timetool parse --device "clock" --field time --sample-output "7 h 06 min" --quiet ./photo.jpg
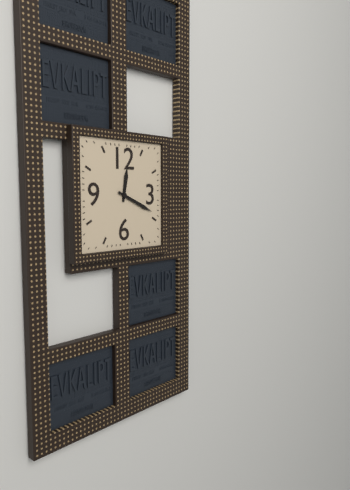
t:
12 h 19 min
